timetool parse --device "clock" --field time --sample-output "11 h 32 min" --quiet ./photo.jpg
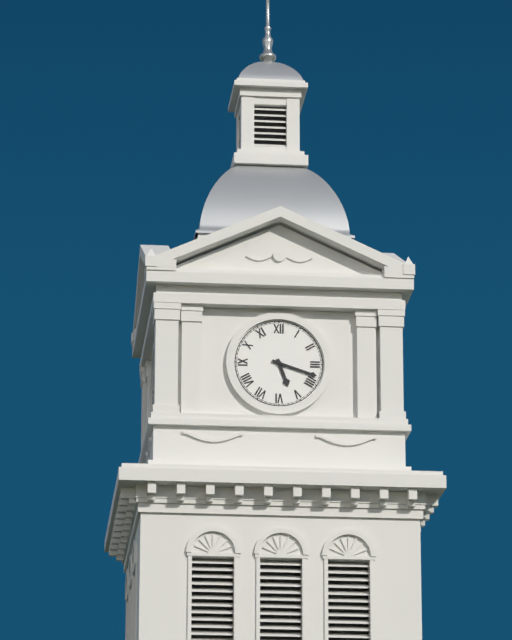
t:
5 h 18 min
